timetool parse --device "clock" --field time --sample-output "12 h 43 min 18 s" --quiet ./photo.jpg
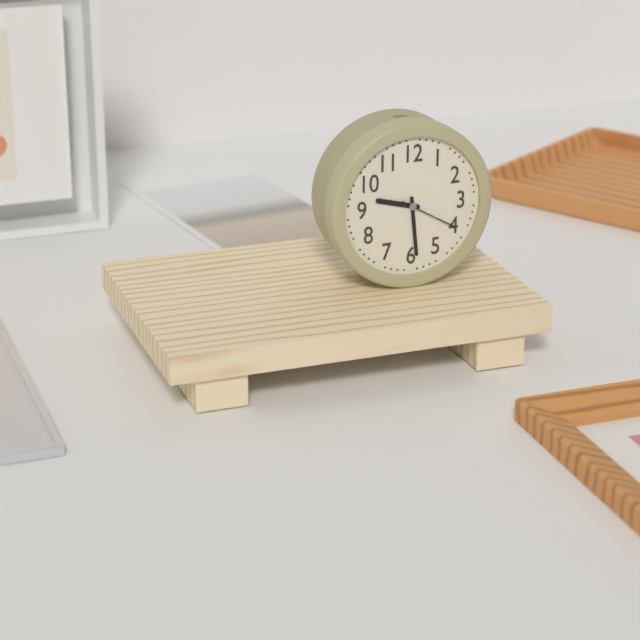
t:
9 h 29 min 20 s
